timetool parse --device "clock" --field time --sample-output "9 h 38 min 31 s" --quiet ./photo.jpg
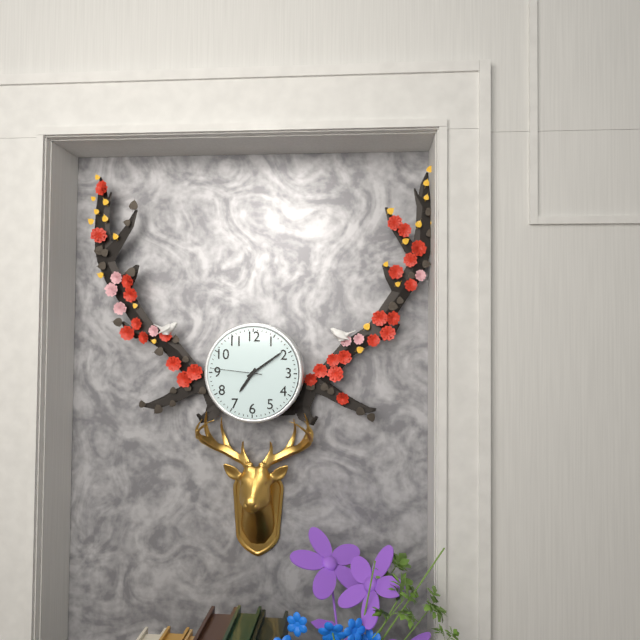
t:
7 h 09 min 46 s
